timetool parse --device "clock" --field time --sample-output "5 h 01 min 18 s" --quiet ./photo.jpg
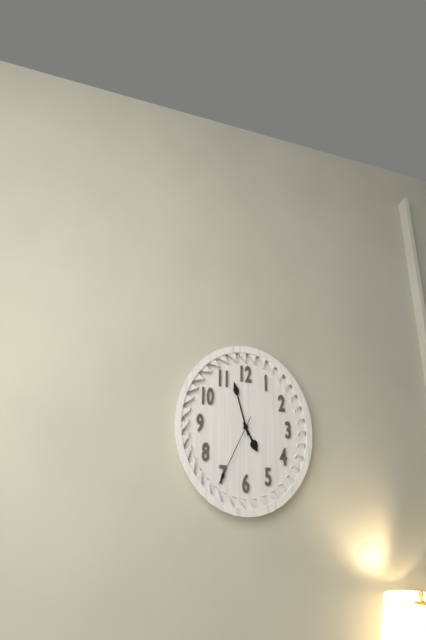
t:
4 h 57 min 35 s
